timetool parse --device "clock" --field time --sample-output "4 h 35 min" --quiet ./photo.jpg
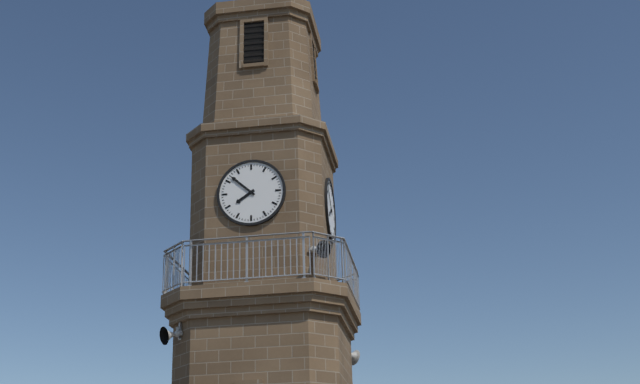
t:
7 h 52 min
